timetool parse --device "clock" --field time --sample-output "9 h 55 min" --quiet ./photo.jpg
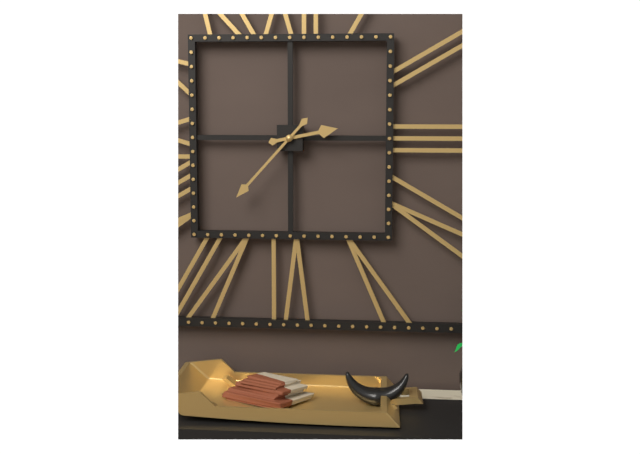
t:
2 h 37 min
